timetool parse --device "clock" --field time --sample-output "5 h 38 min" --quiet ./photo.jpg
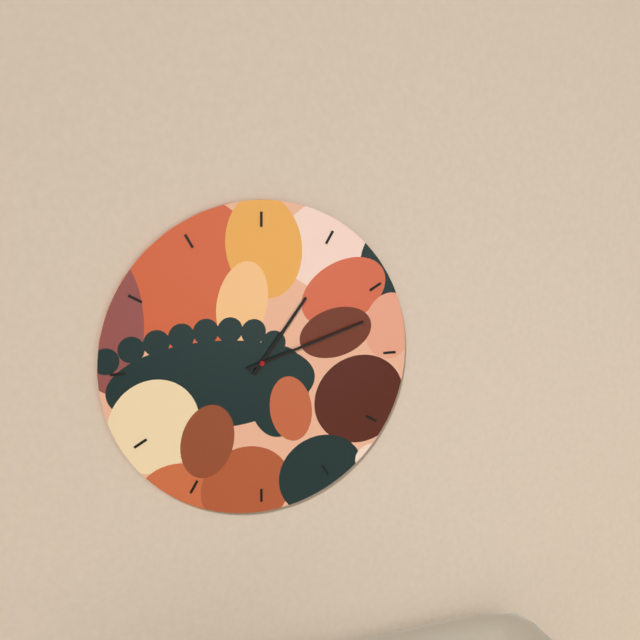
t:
1 h 12 min
